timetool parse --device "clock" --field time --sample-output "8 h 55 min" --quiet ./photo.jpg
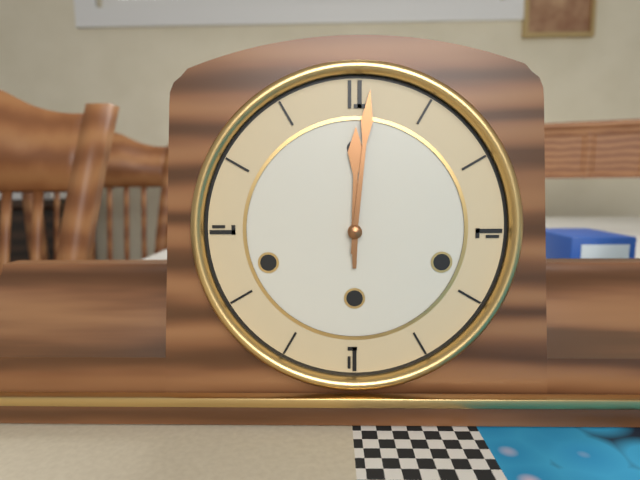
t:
12 h 01 min
